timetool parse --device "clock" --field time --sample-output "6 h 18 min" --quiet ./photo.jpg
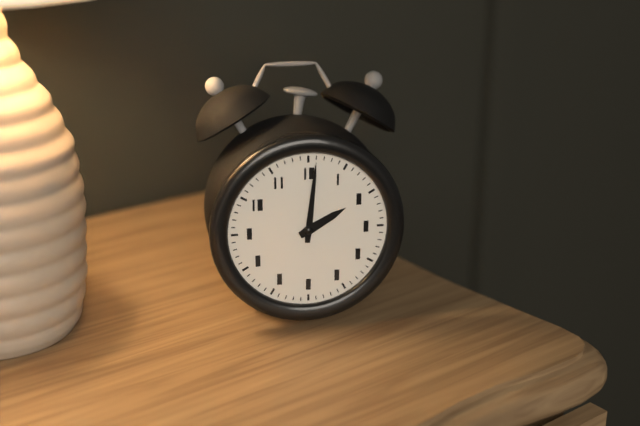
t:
2 h 01 min
